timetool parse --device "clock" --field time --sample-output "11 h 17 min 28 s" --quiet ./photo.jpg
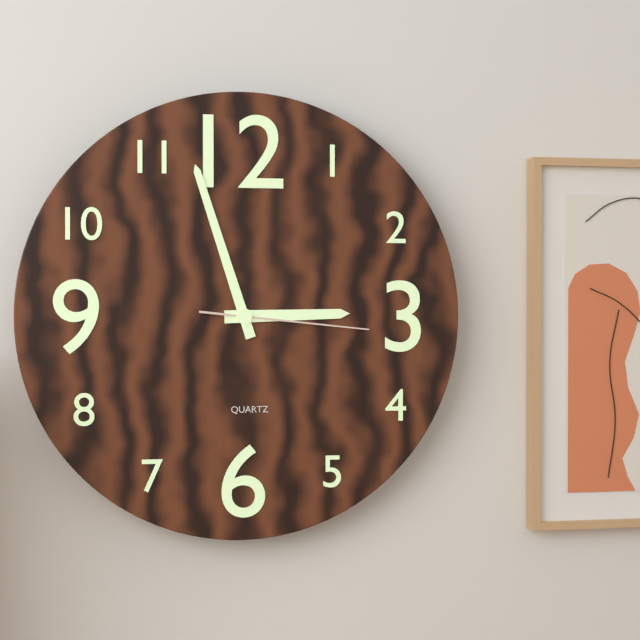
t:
2 h 57 min 16 s
